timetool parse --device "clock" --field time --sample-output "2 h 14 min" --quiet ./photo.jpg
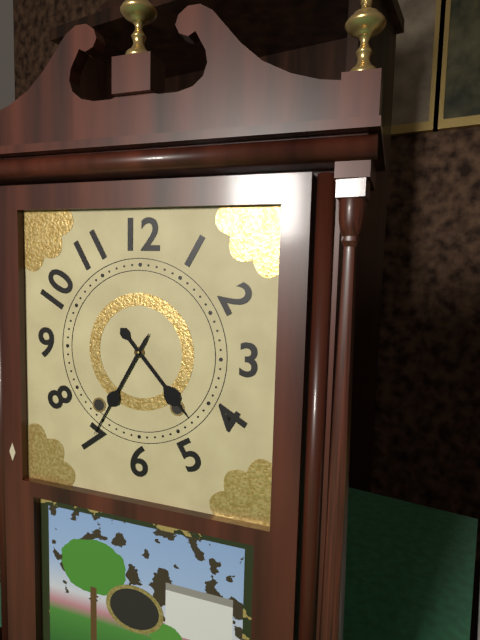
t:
4 h 35 min
